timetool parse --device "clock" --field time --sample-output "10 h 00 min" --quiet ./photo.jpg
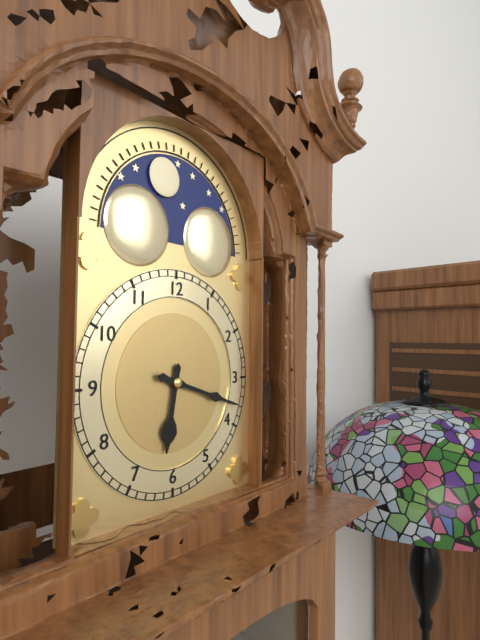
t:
6 h 18 min
